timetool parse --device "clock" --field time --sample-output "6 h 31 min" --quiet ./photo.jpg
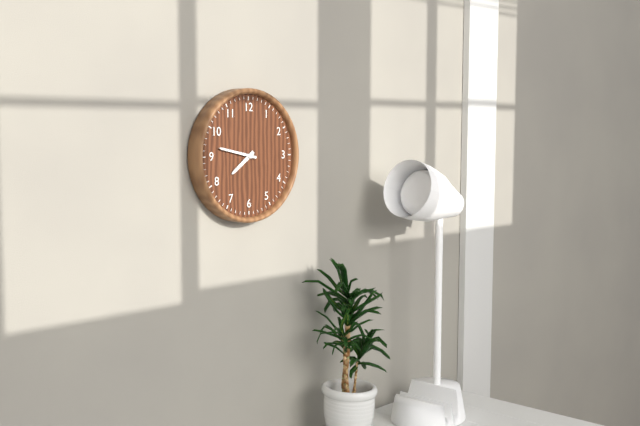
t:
7 h 47 min
